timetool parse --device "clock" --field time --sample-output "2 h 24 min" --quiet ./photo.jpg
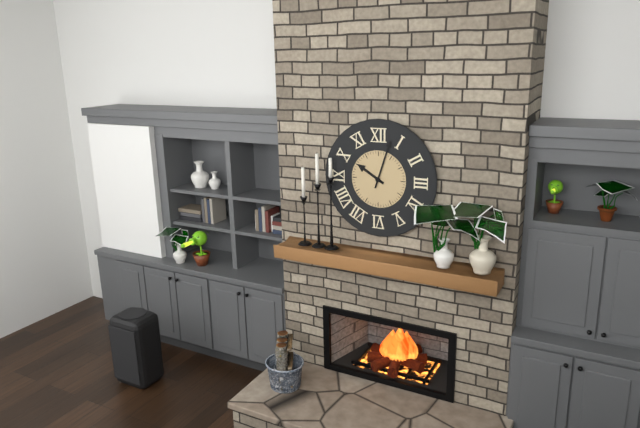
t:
10 h 03 min
